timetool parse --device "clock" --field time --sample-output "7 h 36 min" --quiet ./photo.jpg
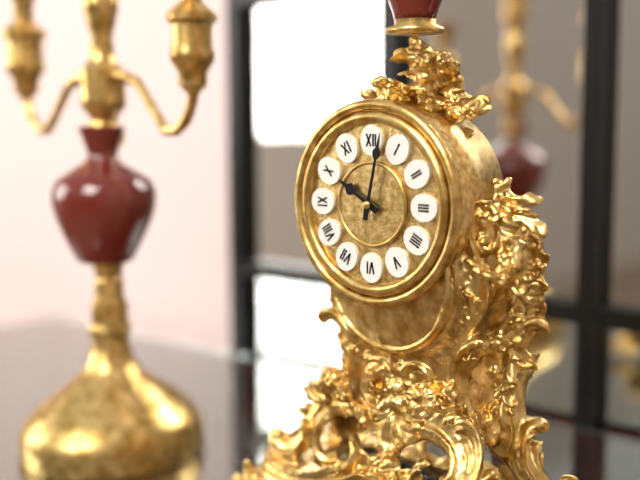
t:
10 h 02 min
